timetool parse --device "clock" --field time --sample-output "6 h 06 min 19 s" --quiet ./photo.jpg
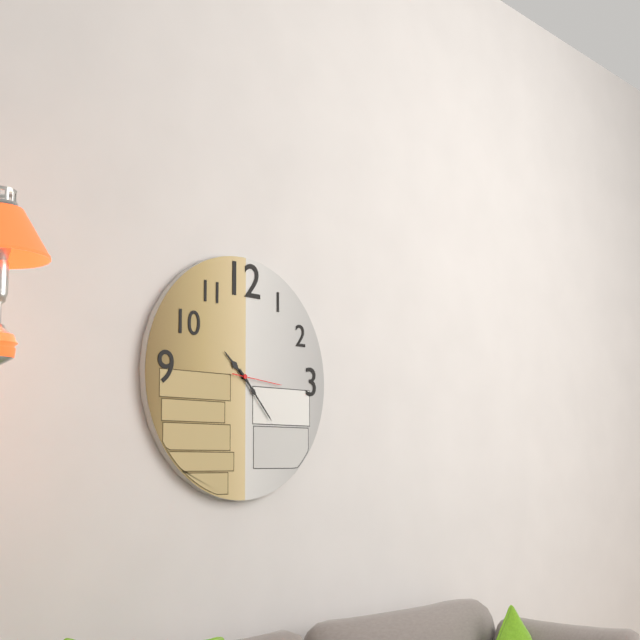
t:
10 h 23 min 16 s
